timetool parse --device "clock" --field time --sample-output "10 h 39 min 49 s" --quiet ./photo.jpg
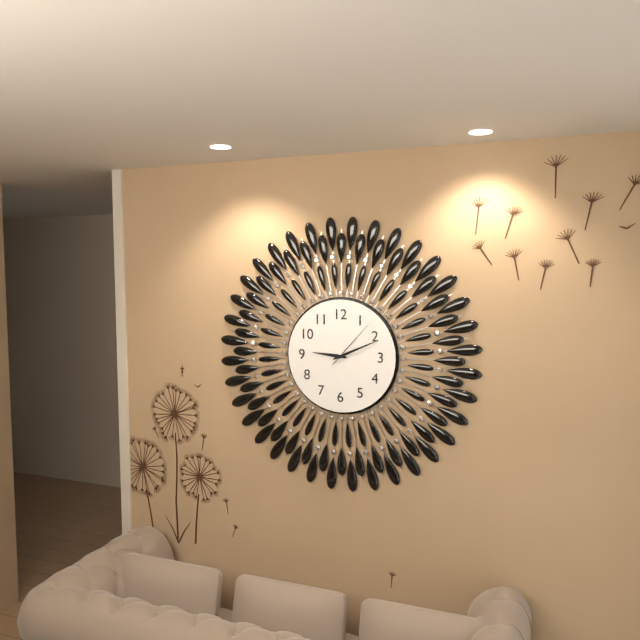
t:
9 h 11 min 07 s
